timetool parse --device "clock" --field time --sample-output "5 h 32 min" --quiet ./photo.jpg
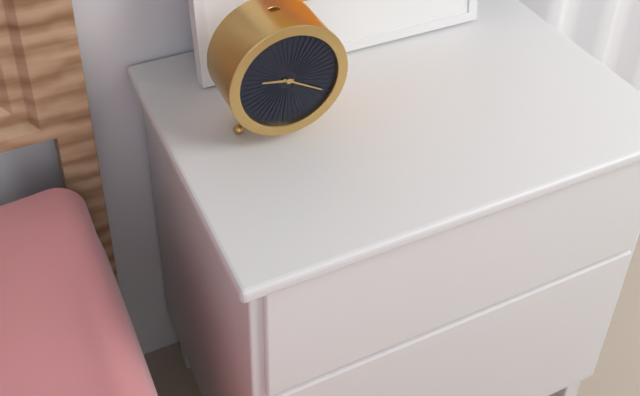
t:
9 h 20 min
